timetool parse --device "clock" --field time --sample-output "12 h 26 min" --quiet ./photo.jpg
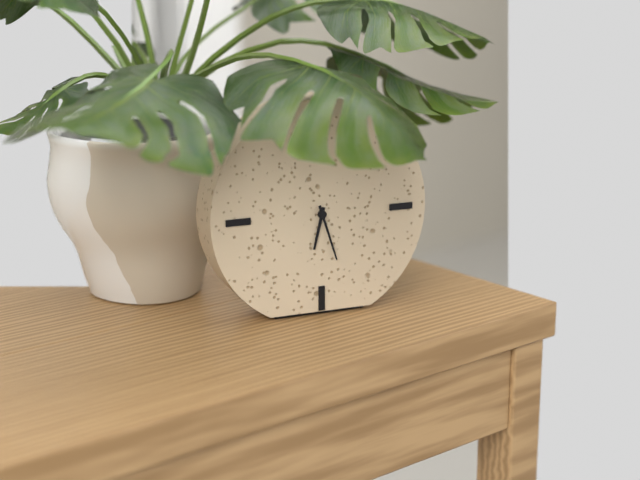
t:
6 h 27 min
